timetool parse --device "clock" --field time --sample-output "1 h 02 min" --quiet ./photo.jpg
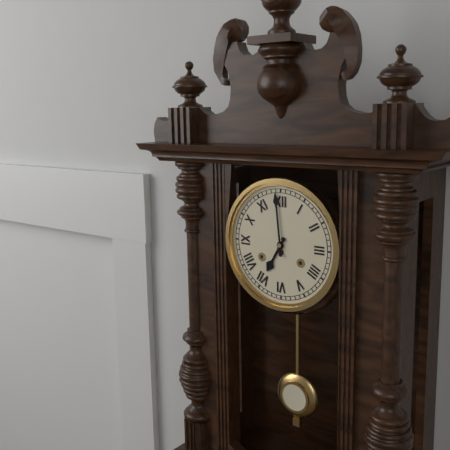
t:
6 h 59 min
